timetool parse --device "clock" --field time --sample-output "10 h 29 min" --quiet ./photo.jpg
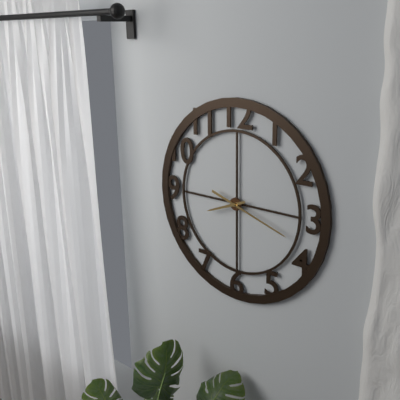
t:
8 h 18 min
